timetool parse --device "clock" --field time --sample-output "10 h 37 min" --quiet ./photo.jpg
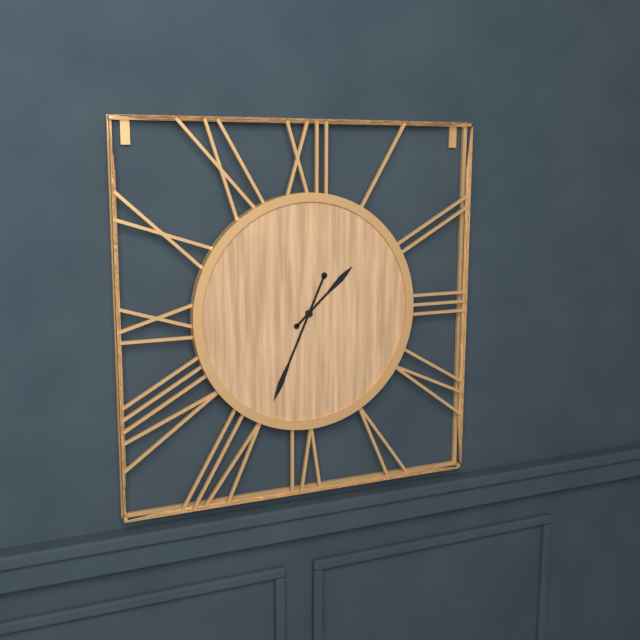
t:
1 h 34 min
